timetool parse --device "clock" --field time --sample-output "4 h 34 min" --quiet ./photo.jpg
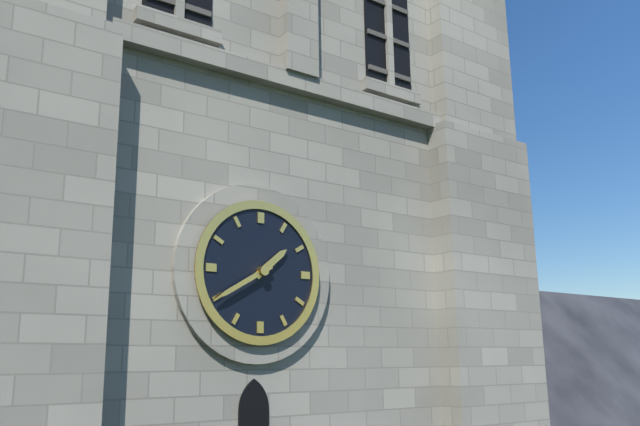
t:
1 h 40 min
